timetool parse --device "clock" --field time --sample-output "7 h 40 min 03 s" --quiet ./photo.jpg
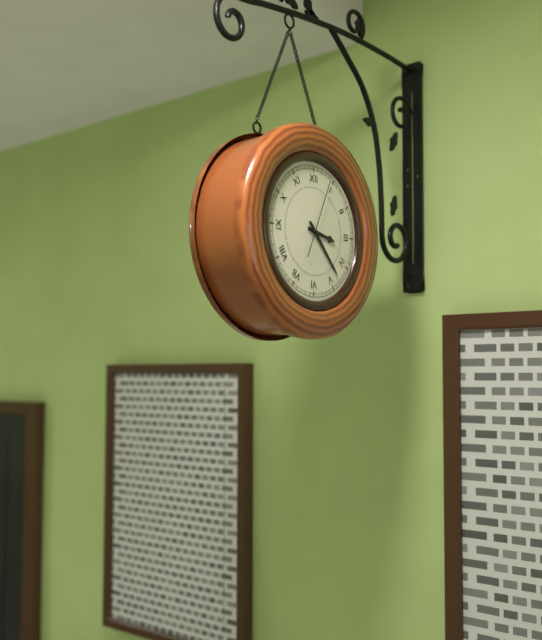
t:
3 h 23 min 04 s
